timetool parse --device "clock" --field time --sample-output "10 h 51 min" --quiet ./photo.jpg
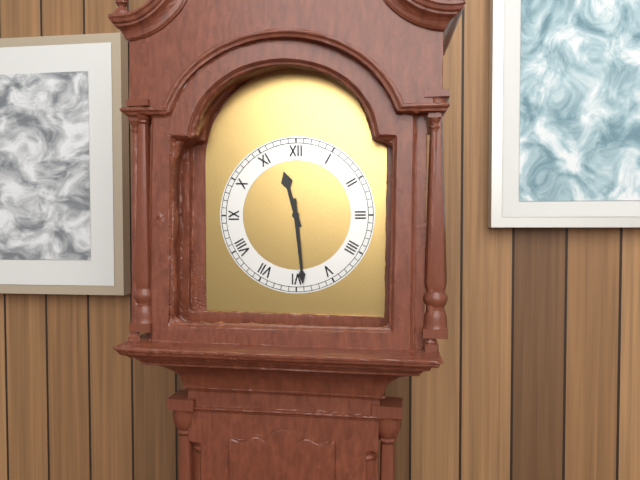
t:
11 h 29 min
